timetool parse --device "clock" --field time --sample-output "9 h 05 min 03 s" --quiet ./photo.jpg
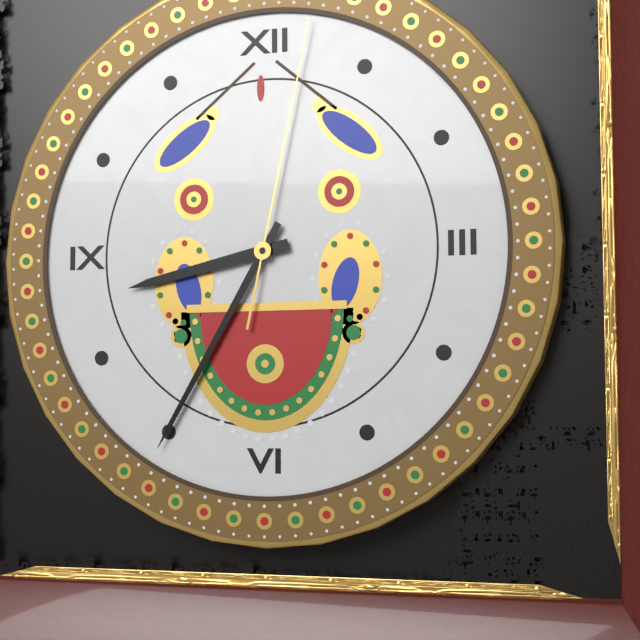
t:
8 h 35 min 02 s
